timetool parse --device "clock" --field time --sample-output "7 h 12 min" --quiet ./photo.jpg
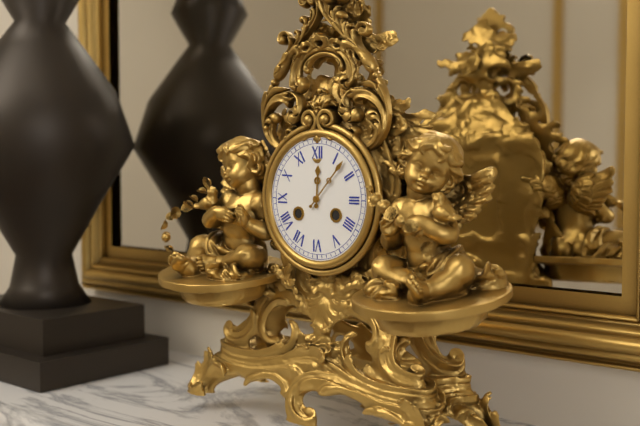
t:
12 h 07 min
